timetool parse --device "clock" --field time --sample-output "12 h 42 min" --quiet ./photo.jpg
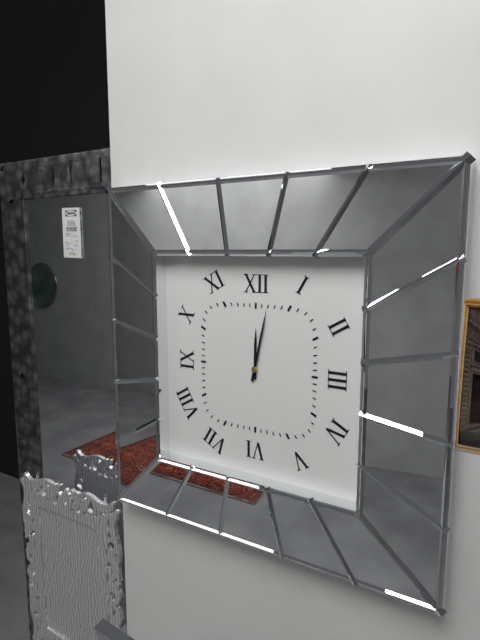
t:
12 h 02 min
